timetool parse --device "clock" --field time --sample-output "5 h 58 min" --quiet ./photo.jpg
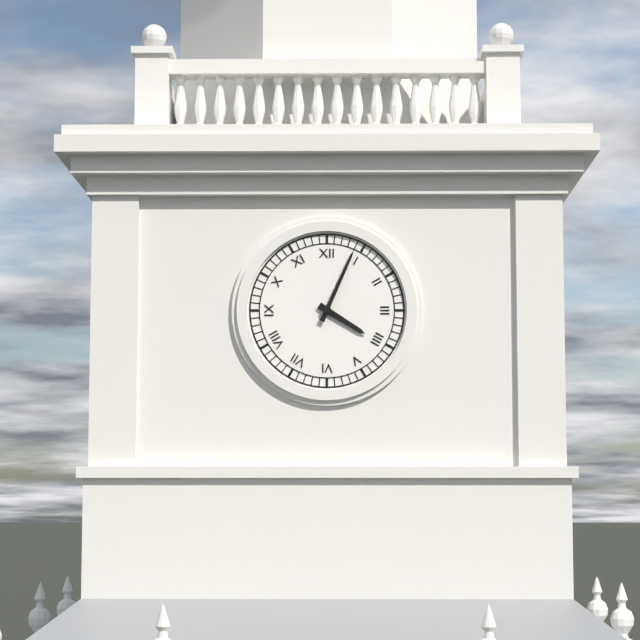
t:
4 h 04 min
